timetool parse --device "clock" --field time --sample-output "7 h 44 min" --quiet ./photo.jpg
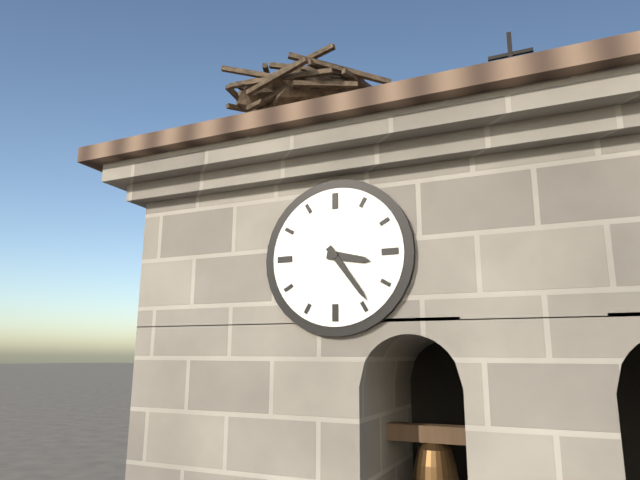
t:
3 h 24 min
